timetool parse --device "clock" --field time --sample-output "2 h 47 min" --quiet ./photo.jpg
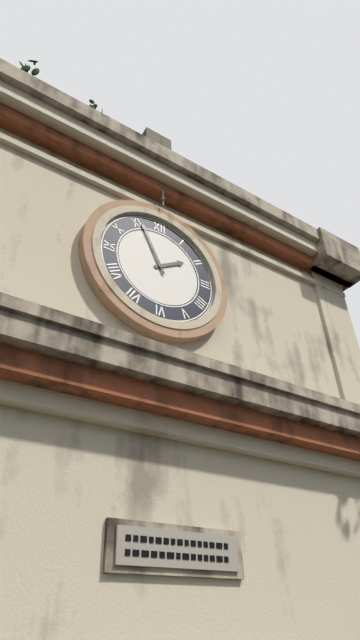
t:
1 h 56 min
